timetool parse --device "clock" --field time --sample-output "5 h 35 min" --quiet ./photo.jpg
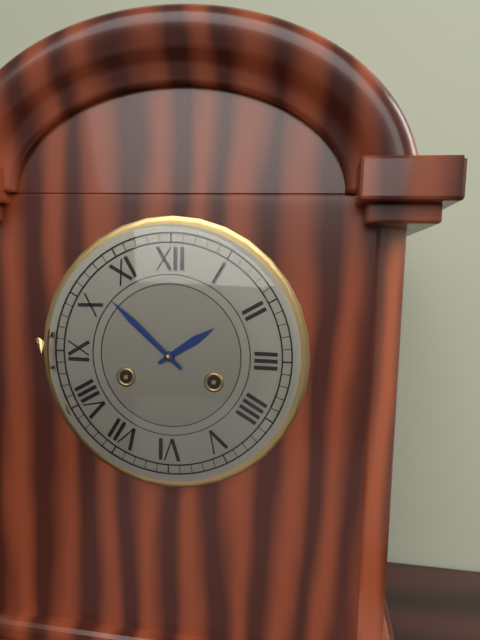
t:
1 h 52 min
